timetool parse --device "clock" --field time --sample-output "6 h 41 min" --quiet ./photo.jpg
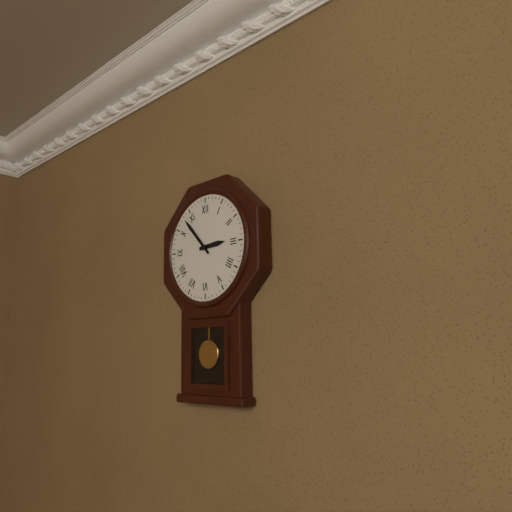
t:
2 h 53 min
